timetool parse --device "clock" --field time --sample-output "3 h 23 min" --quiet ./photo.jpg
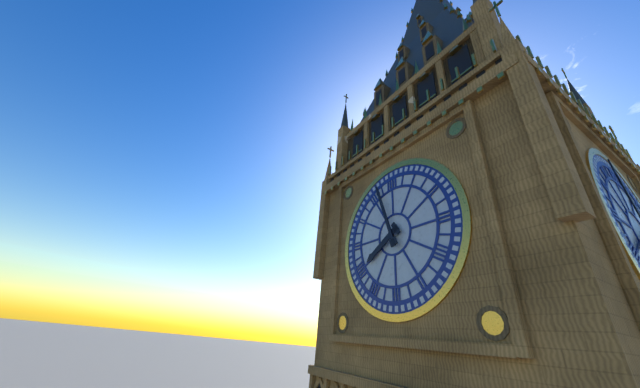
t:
7 h 57 min
